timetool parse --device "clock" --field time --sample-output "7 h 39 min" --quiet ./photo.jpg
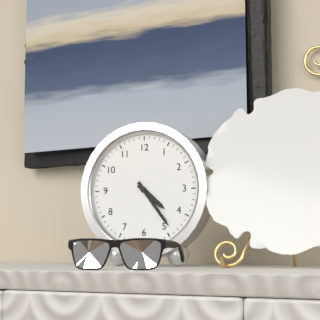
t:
4 h 24 min
